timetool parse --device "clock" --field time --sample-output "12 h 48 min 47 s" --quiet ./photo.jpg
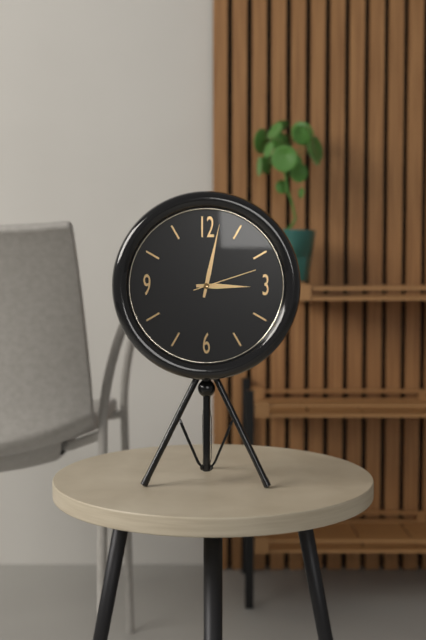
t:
3 h 02 min 12 s
